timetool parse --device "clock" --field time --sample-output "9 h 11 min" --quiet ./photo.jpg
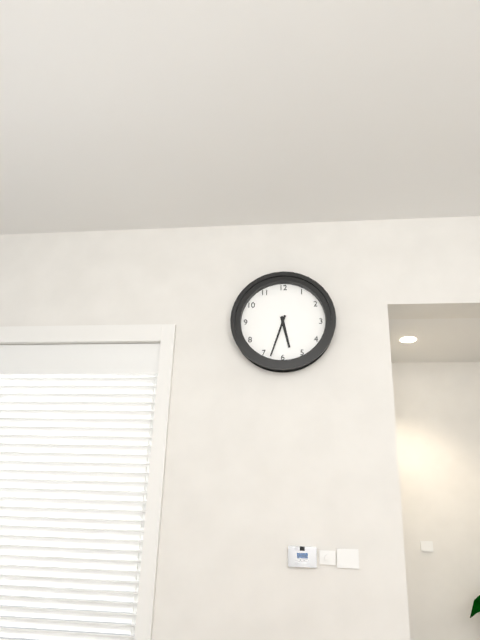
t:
5 h 33 min
